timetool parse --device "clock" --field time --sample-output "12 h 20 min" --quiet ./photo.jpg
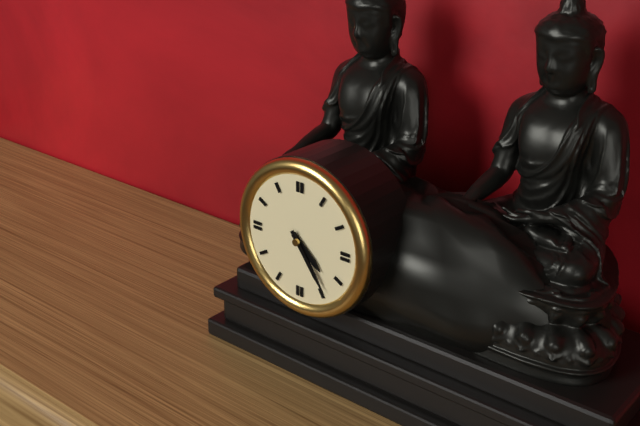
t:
4 h 24 min
